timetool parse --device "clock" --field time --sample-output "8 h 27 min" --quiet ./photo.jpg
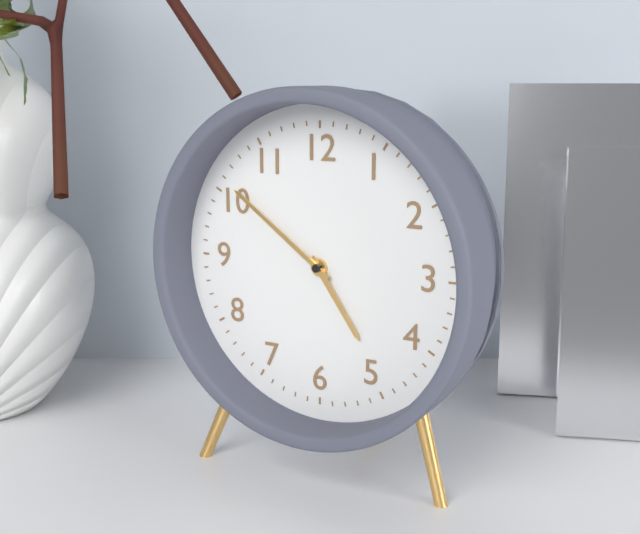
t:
4 h 51 min
